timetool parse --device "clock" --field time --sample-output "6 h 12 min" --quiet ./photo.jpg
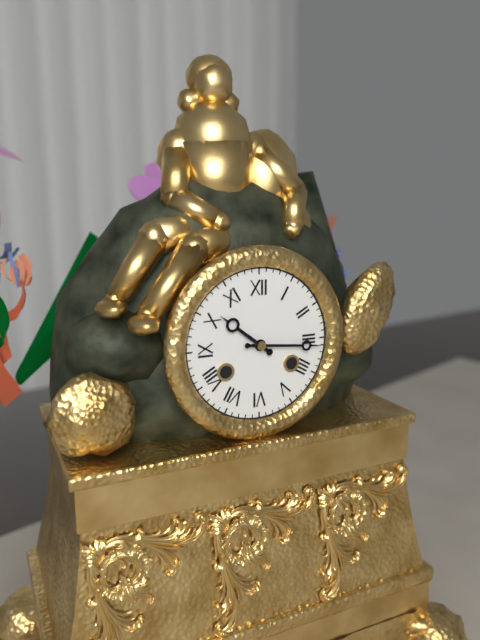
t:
10 h 16 min
